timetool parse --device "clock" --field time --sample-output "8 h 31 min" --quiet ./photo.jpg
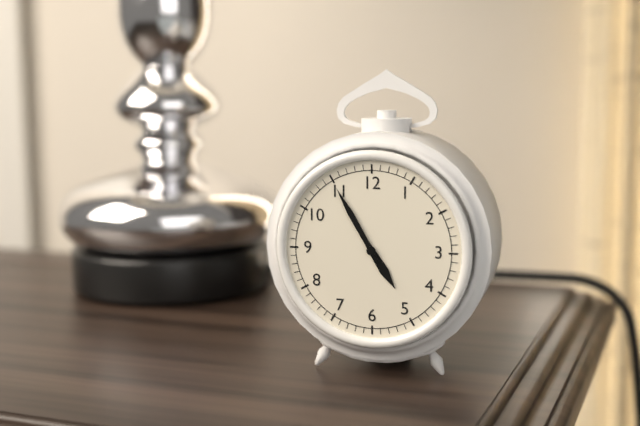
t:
4 h 55 min
